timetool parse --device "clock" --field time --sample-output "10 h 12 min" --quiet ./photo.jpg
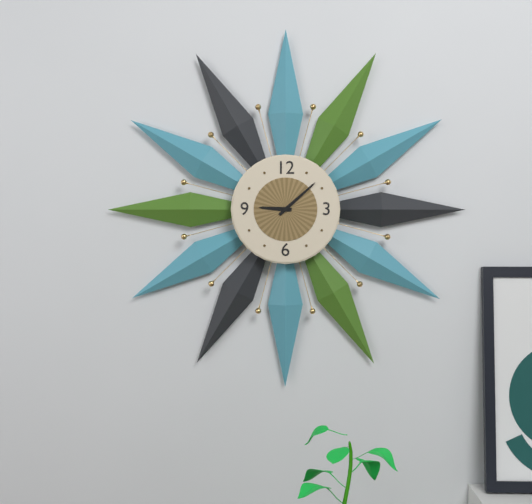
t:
9 h 08 min
